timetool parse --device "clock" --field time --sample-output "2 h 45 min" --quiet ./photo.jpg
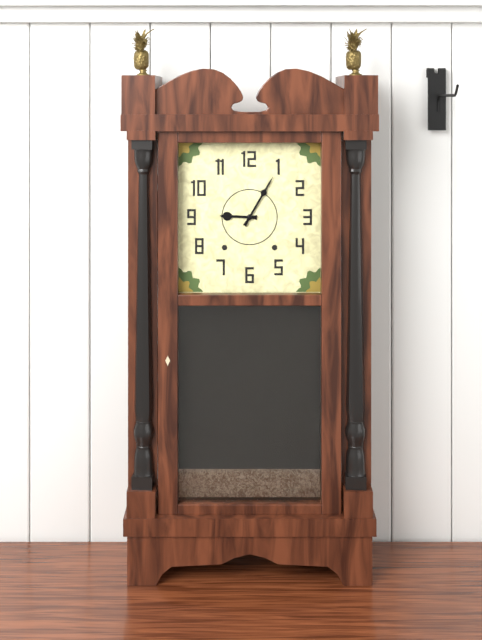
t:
9 h 05 min
